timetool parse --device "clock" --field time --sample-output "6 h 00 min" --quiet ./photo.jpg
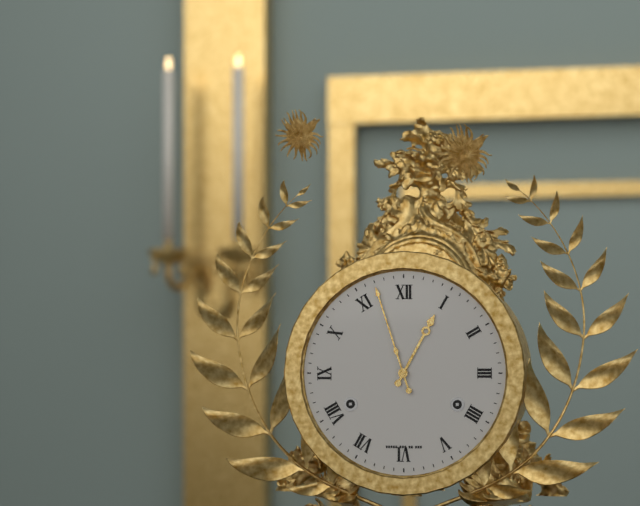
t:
12 h 57 min
